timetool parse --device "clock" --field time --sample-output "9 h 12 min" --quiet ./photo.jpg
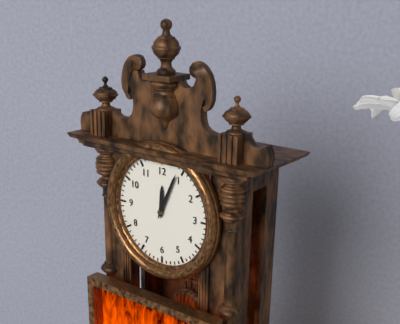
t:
12 h 04 min
